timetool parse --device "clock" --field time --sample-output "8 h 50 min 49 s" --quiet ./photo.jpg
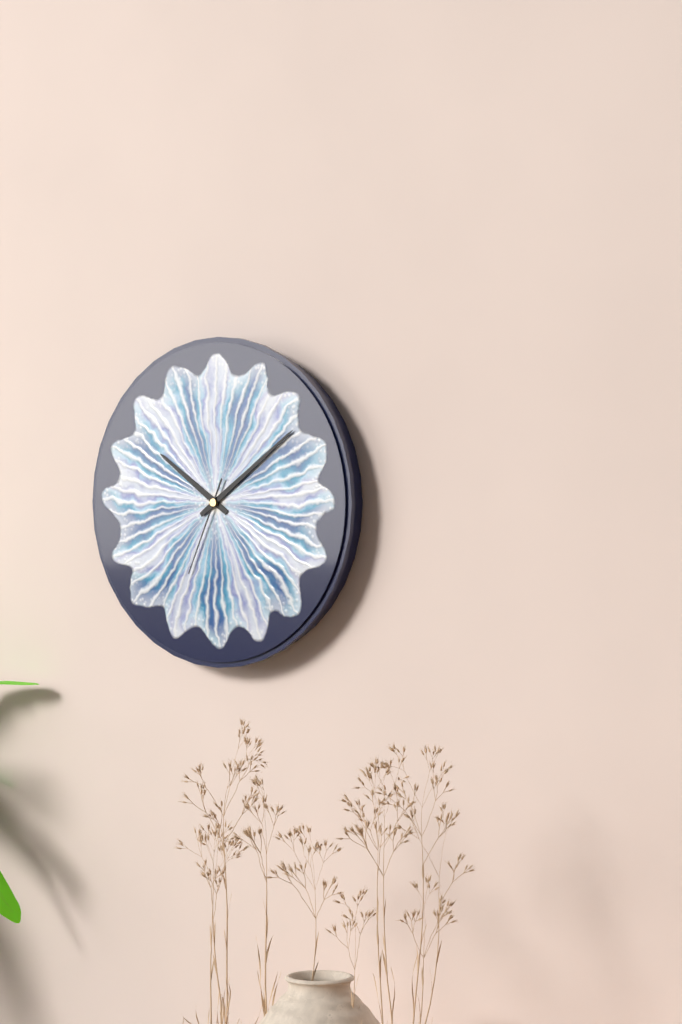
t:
10 h 09 min 34 s
